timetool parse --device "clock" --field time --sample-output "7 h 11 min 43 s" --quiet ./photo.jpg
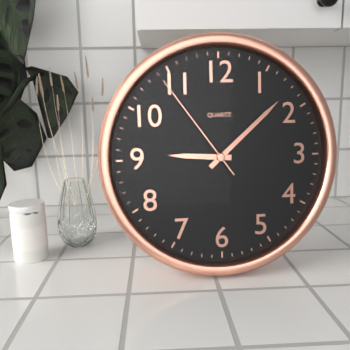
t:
9 h 08 min 54 s
